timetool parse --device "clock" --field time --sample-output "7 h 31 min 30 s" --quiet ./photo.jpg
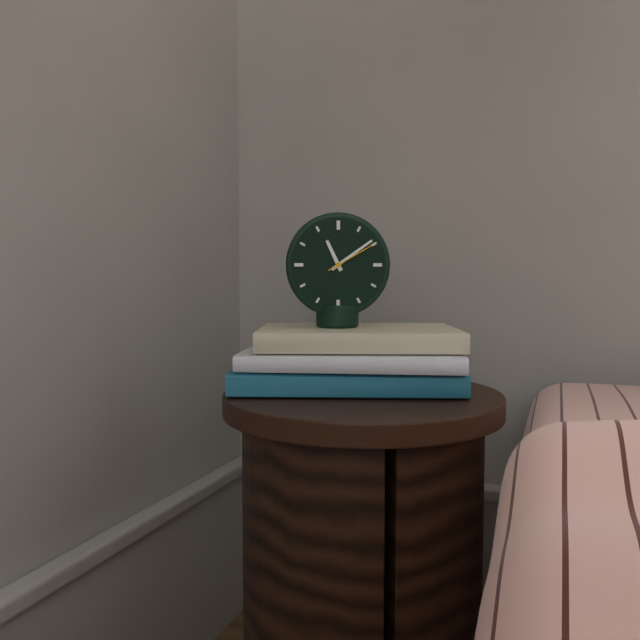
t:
11 h 09 min 10 s
